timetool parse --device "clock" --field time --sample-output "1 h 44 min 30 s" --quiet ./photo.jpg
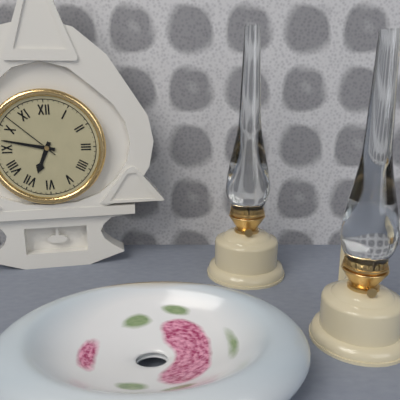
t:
6 h 47 min 52 s
